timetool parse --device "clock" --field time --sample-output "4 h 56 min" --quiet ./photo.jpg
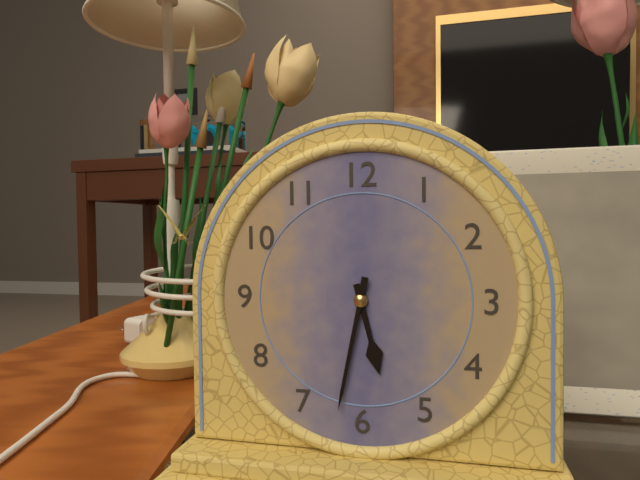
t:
5 h 32 min
